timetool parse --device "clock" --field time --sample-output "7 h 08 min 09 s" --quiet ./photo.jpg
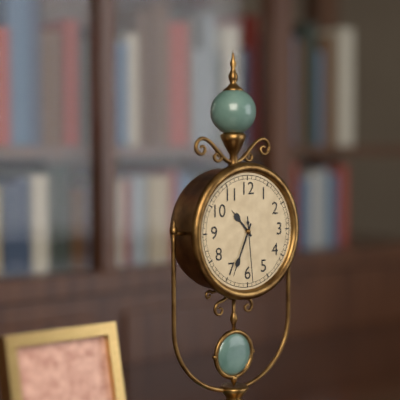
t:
10 h 34 min 29 s
